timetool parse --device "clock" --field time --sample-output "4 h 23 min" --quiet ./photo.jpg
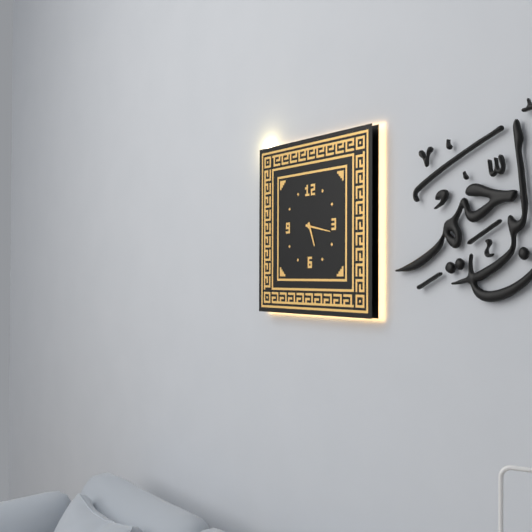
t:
5 h 17 min
